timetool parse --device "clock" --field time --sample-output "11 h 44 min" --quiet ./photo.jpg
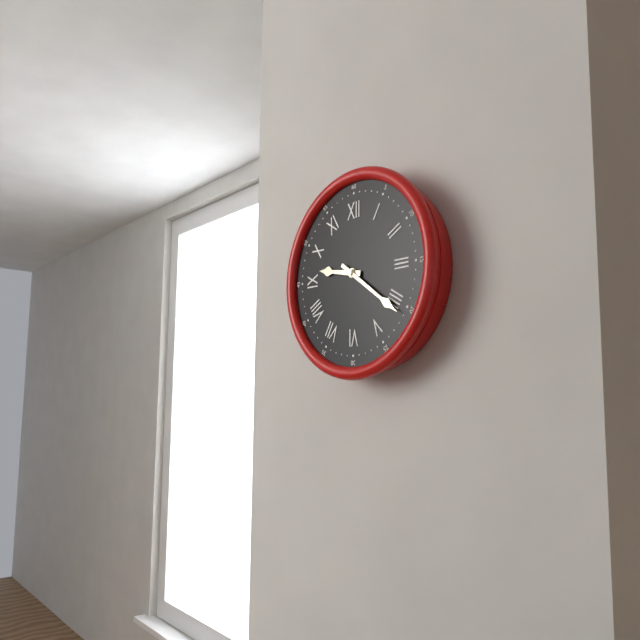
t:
9 h 21 min
